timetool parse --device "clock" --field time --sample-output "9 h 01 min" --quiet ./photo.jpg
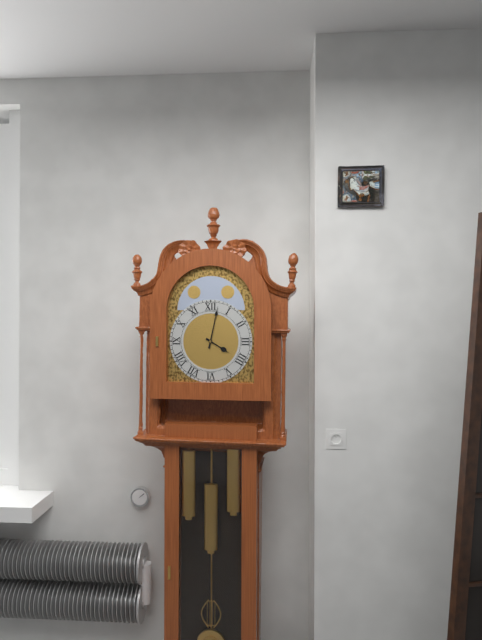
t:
4 h 02 min
